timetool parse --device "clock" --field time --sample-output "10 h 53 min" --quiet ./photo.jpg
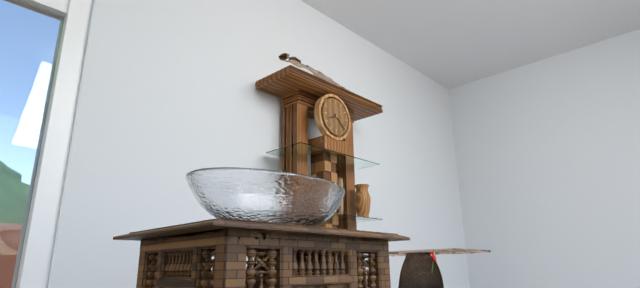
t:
8 h 22 min
